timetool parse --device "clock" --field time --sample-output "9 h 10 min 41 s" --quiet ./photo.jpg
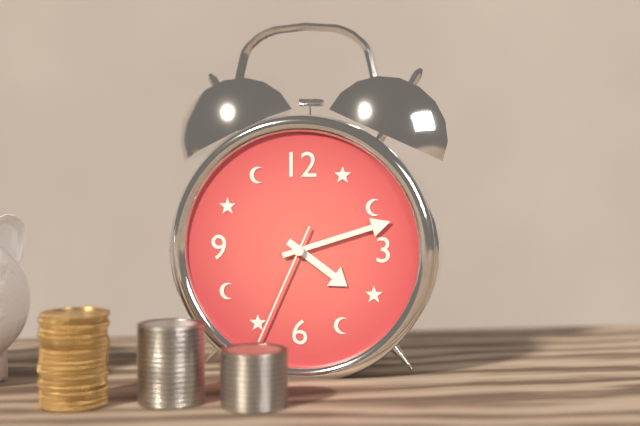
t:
4 h 12 min 34 s
